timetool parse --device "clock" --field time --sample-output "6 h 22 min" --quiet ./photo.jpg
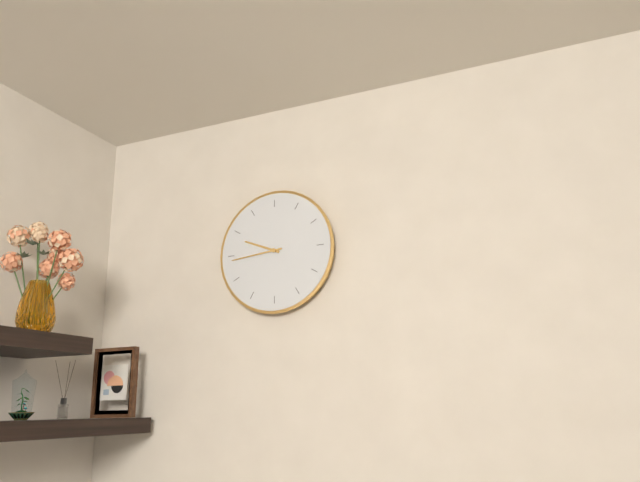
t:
9 h 44 min
